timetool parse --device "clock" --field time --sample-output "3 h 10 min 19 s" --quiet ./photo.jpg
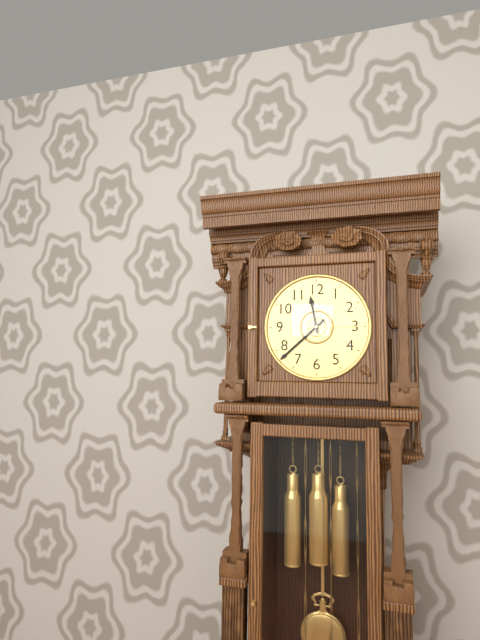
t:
11 h 38 min 15 s
